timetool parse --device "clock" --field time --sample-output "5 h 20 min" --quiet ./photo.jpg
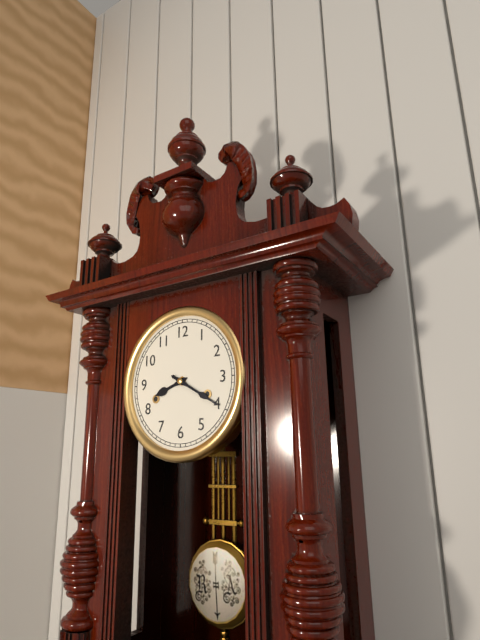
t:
8 h 20 min
